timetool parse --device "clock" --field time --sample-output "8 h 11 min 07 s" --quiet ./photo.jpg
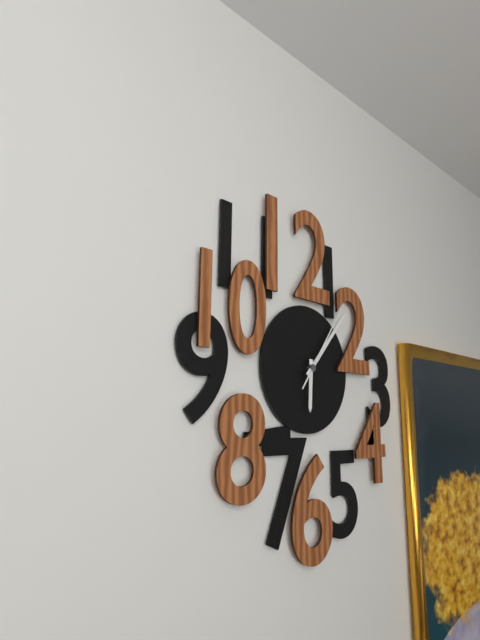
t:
6 h 07 min 06 s
